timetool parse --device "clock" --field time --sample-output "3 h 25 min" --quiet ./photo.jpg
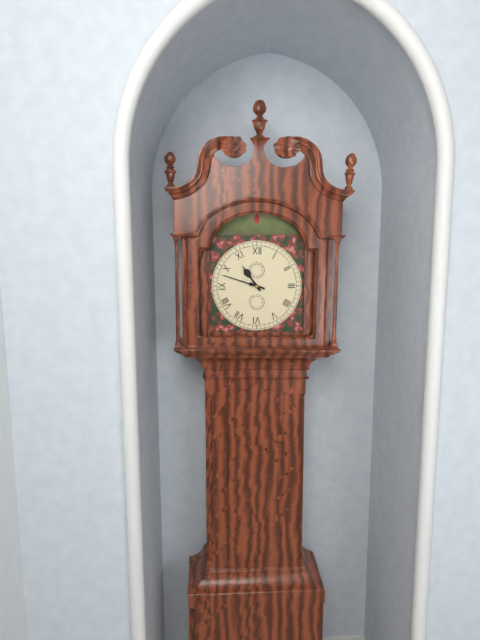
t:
10 h 48 min
